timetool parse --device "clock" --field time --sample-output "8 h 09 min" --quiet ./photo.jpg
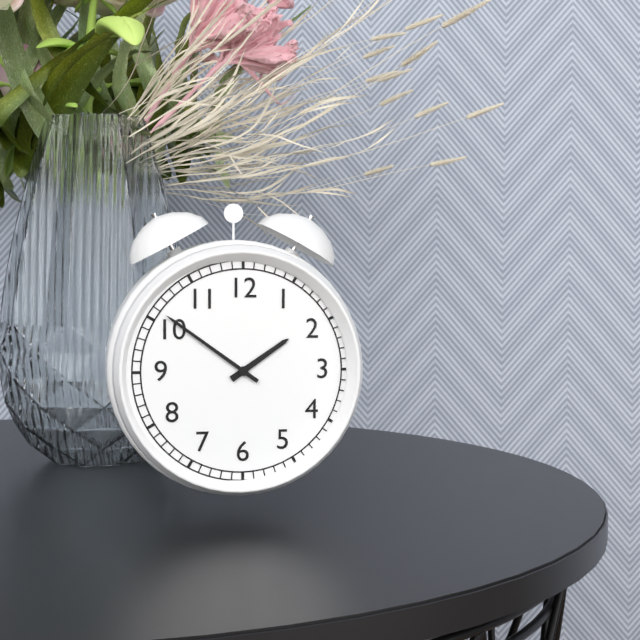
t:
1 h 51 min
